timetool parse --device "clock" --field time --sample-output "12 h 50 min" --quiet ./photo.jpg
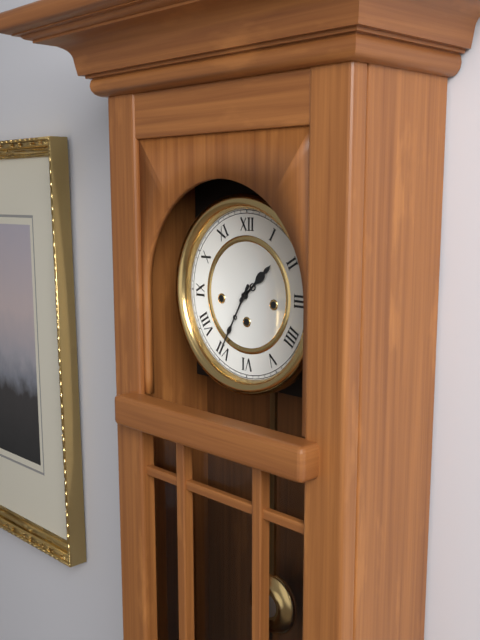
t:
1 h 35 min
